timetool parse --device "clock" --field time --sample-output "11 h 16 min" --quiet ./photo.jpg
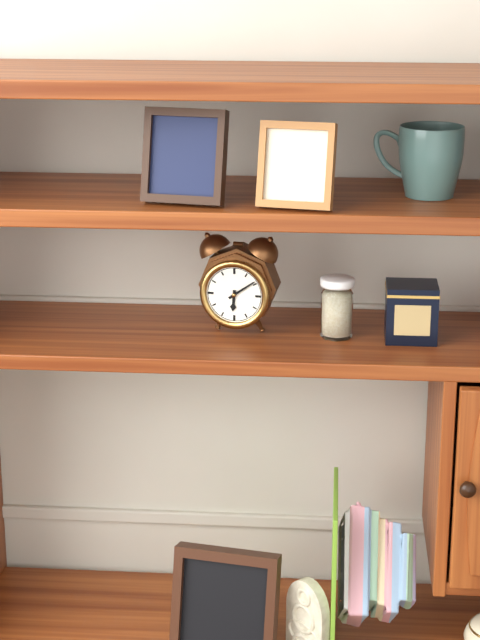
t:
6 h 09 min
